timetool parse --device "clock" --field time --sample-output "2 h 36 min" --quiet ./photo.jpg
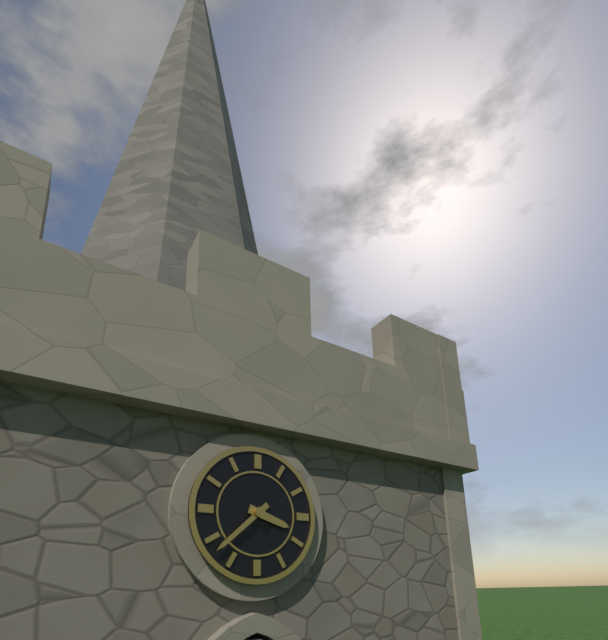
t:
3 h 38 min
